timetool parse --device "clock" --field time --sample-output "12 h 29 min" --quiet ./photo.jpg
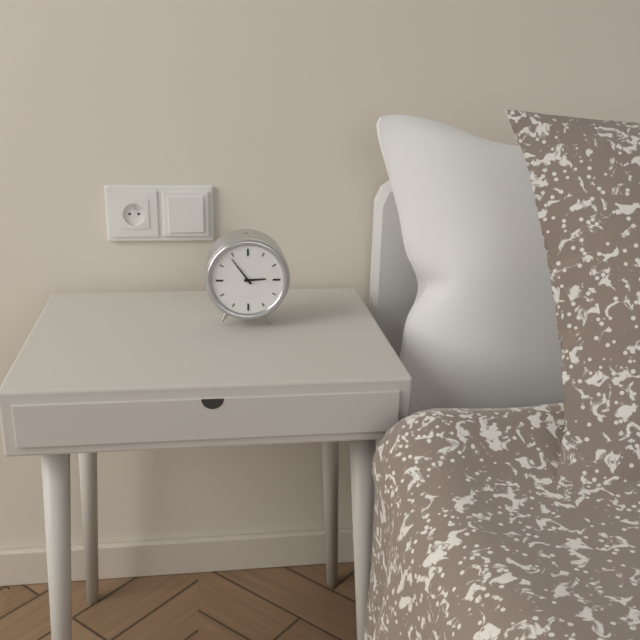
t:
2 h 54 min
